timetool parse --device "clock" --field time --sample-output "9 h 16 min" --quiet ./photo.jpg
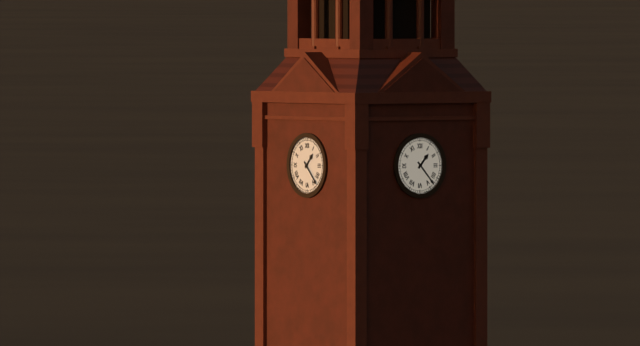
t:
1 h 23 min
